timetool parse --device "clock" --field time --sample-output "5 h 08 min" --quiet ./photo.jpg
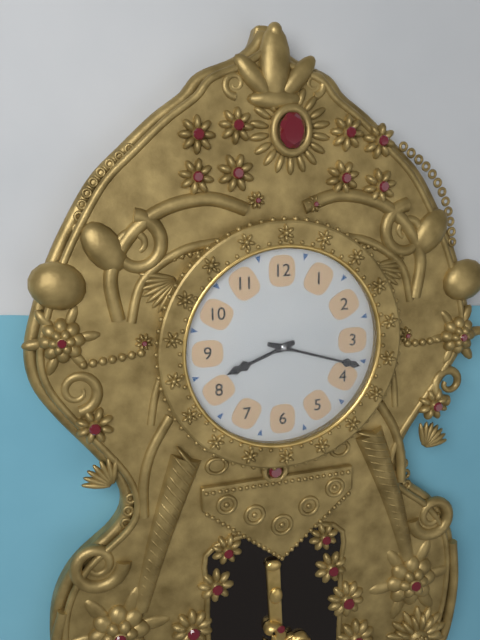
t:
8 h 18 min
